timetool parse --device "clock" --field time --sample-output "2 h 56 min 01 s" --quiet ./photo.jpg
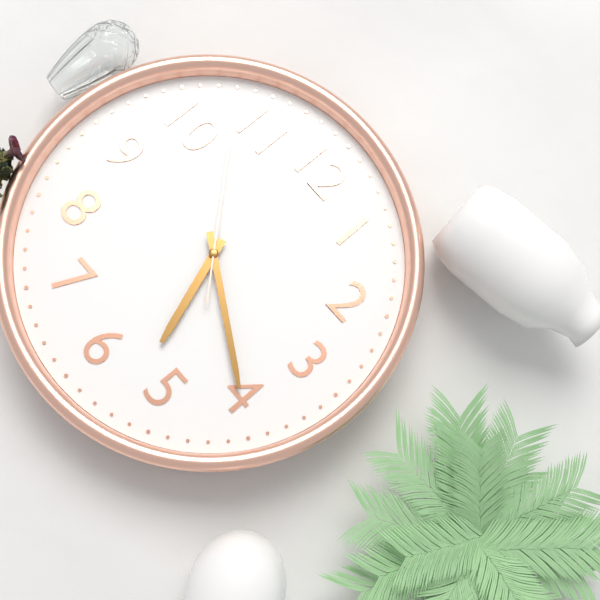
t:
5 h 20 min 53 s
